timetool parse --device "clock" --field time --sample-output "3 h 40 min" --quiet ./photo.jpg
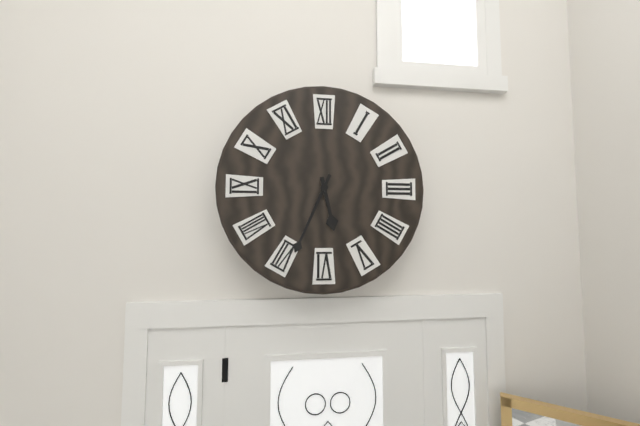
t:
5 h 34 min
